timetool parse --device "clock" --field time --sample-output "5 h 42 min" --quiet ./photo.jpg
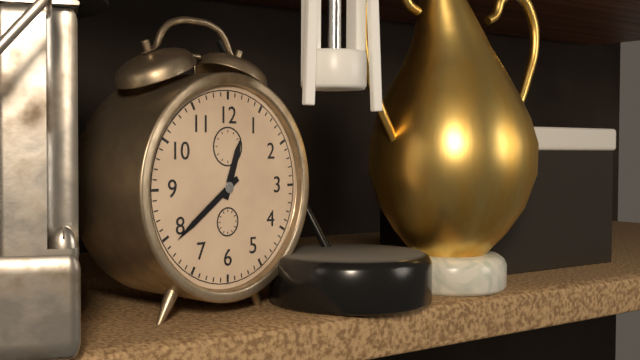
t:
12 h 39 min
